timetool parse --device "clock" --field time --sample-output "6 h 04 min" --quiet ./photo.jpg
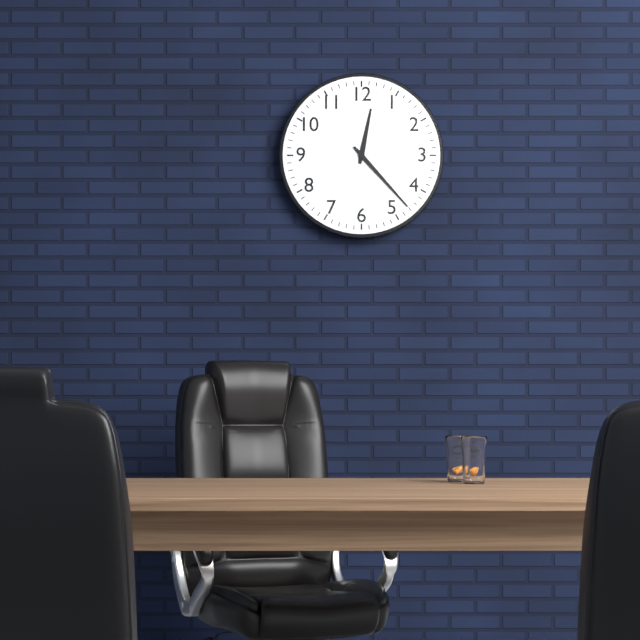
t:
12 h 23 min
